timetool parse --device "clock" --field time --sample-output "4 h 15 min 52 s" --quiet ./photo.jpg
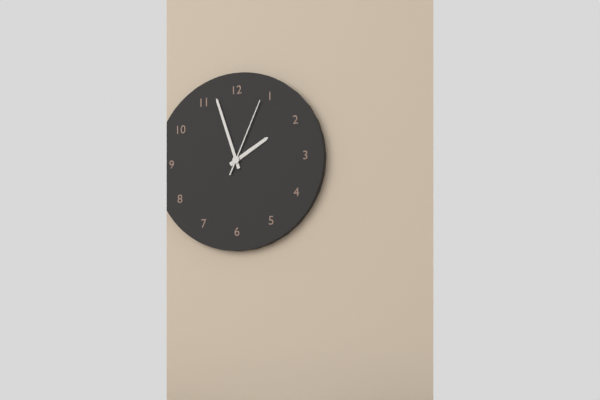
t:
1 h 57 min 04 s
